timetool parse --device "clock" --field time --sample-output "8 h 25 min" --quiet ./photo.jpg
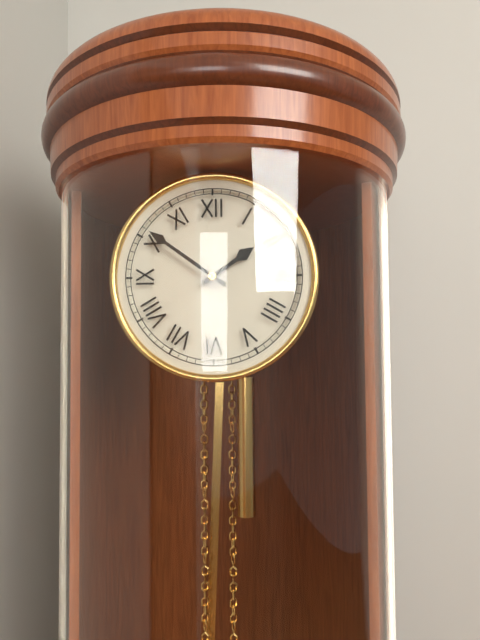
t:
1 h 51 min
